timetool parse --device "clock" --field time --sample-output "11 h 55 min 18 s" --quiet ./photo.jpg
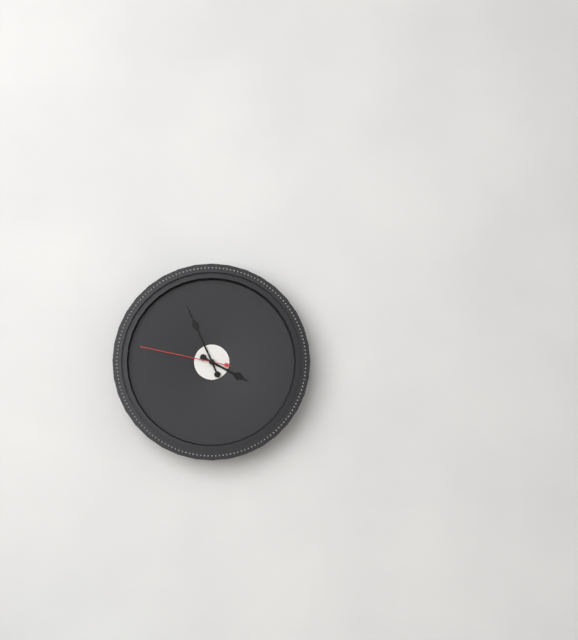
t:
3 h 56 min 47 s
